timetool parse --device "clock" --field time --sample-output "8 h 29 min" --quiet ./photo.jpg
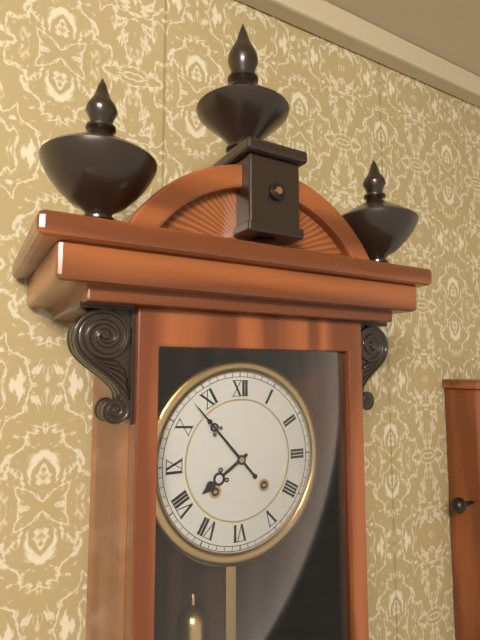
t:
7 h 53 min
